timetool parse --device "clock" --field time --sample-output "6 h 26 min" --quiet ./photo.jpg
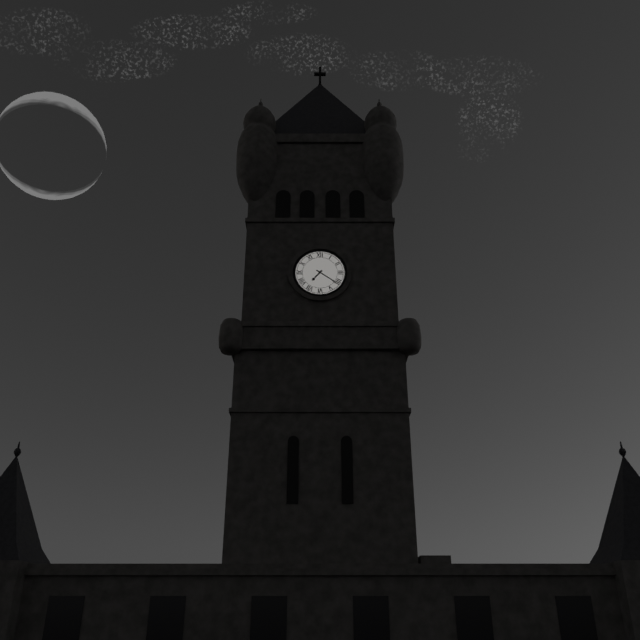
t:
7 h 21 min
